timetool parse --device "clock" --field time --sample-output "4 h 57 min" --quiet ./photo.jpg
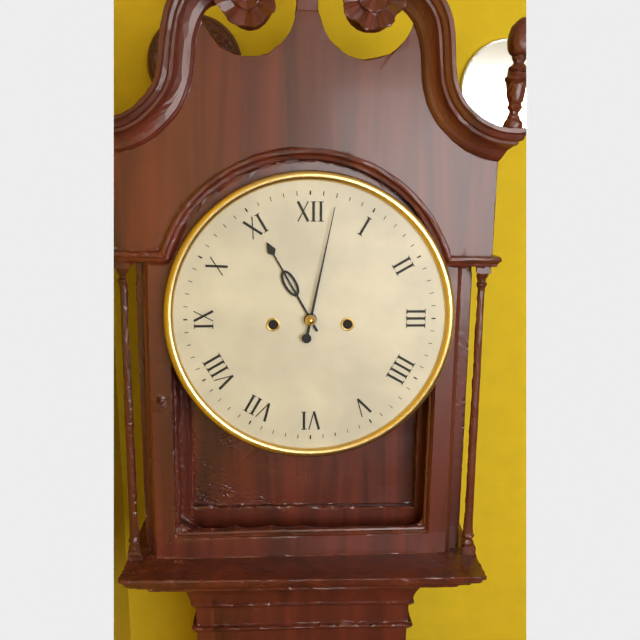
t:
11 h 02 min
